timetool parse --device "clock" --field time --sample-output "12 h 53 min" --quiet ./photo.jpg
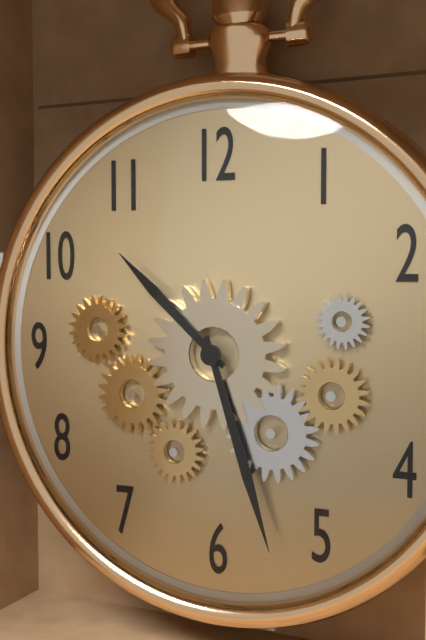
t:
10 h 27 min
